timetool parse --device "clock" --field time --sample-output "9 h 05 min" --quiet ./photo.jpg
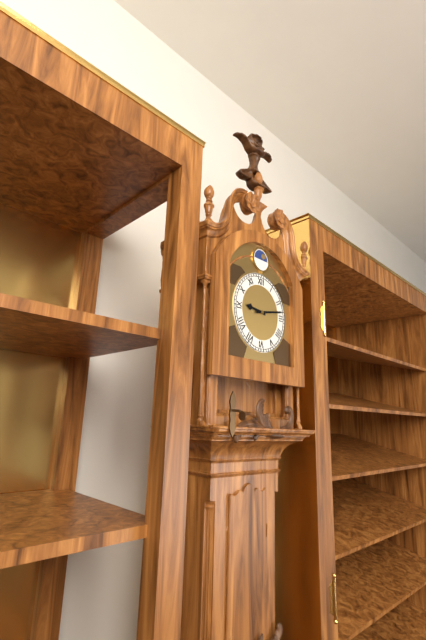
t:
9 h 13 min
